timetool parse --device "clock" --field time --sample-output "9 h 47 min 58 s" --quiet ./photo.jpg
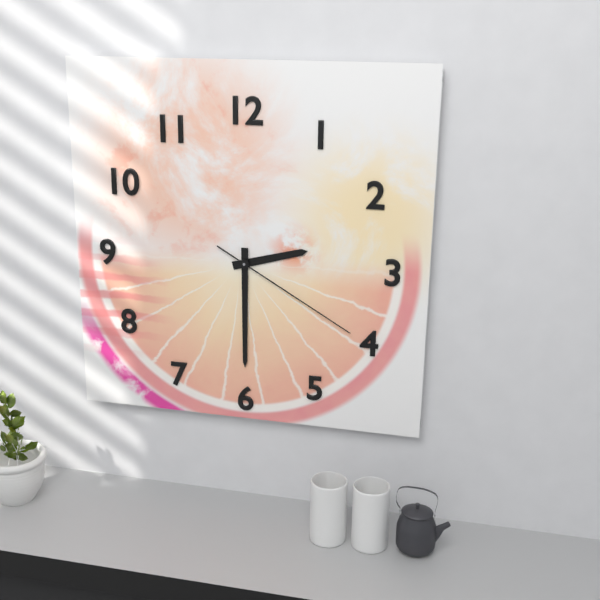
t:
2 h 30 min 20 s
